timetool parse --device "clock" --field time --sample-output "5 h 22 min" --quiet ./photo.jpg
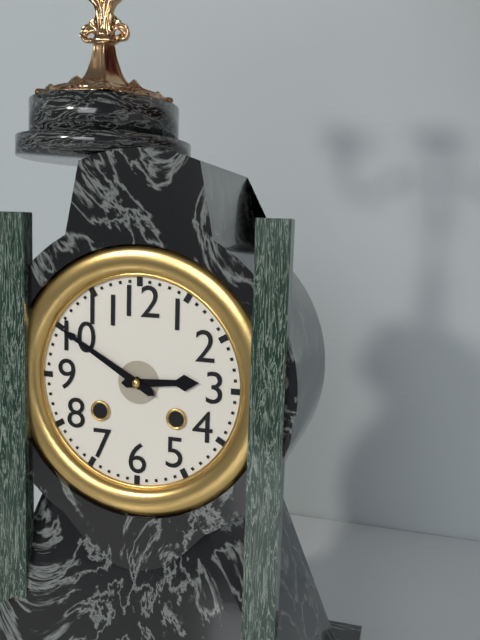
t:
2 h 50 min
